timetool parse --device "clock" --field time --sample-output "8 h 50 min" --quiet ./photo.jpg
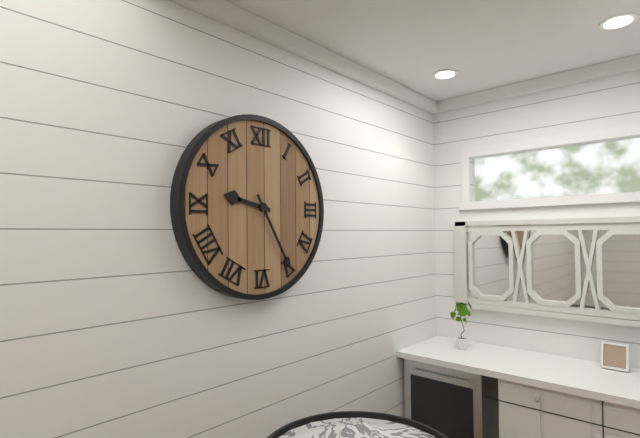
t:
9 h 25 min
